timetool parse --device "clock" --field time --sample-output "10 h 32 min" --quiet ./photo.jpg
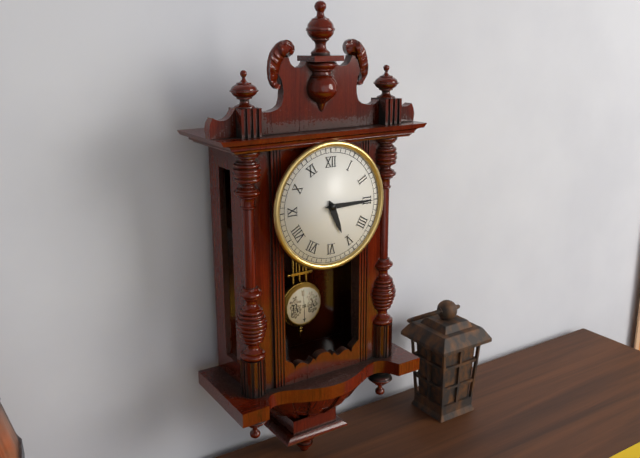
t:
5 h 15 min
